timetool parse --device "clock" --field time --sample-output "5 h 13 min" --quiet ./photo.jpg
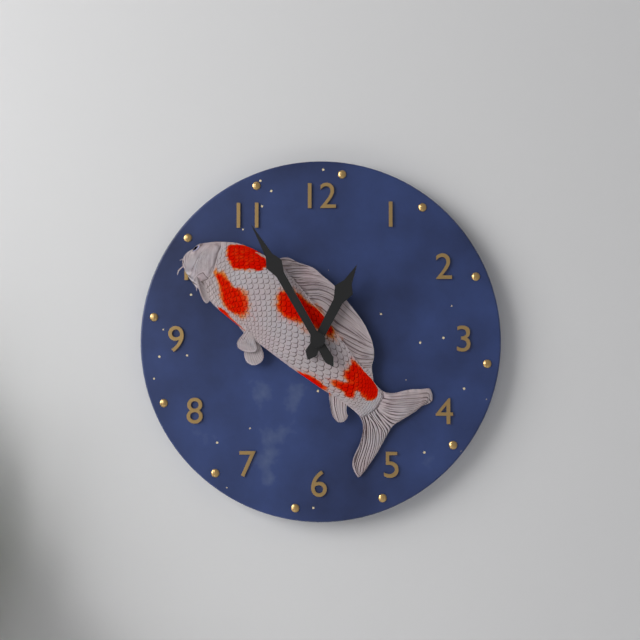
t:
12 h 55 min
